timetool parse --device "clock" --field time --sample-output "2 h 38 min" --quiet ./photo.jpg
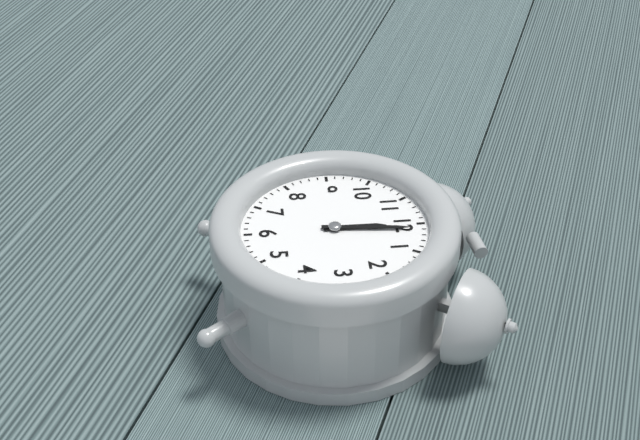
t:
12 h 01 min
